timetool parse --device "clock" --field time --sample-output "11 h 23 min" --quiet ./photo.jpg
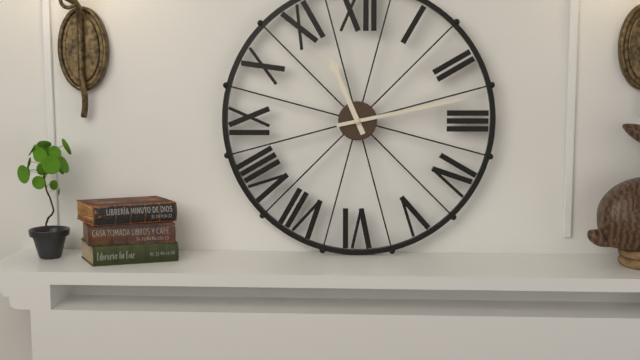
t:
11 h 13 min
